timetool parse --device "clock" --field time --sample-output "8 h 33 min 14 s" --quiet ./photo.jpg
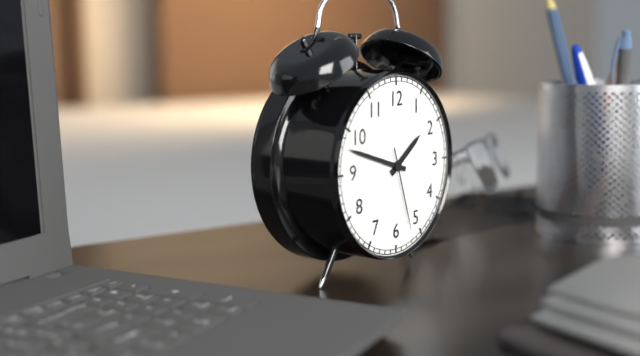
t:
1 h 48 min 27 s
